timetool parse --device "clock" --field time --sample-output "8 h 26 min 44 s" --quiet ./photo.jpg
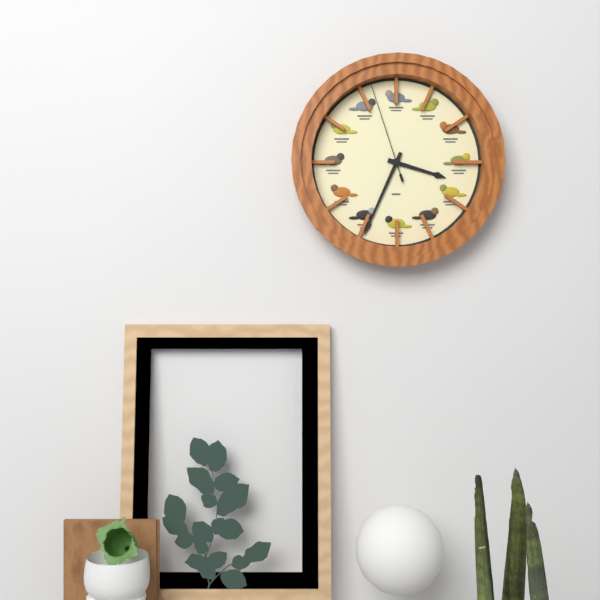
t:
3 h 34 min 57 s
